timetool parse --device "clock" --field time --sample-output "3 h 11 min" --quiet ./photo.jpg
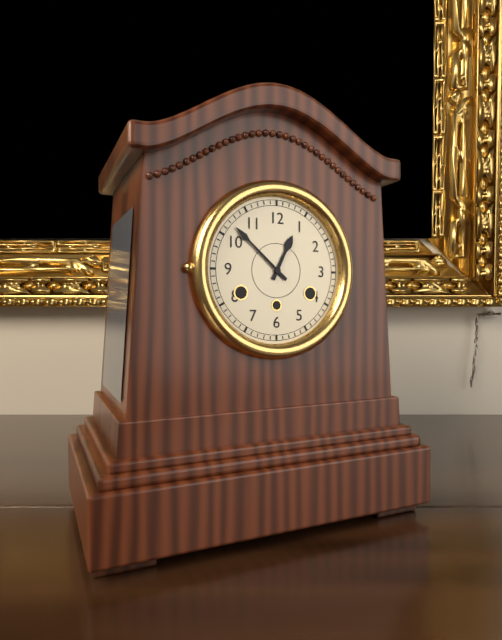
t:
12 h 52 min
